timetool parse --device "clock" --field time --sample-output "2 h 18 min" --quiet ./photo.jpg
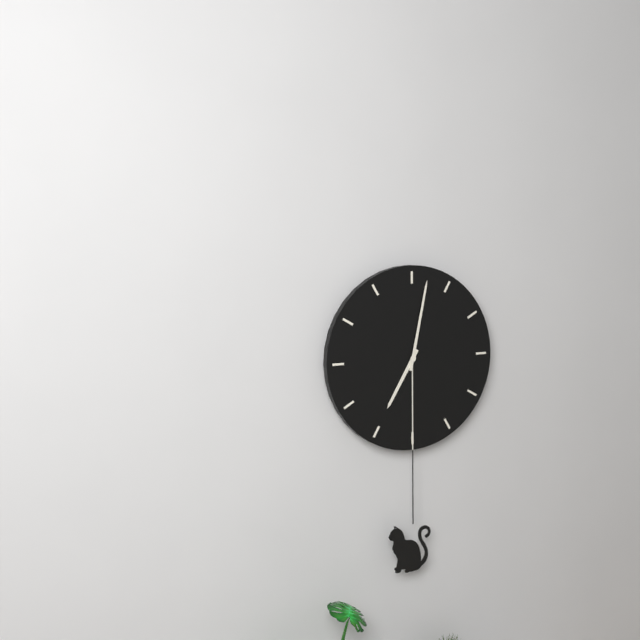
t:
7 h 02 min
